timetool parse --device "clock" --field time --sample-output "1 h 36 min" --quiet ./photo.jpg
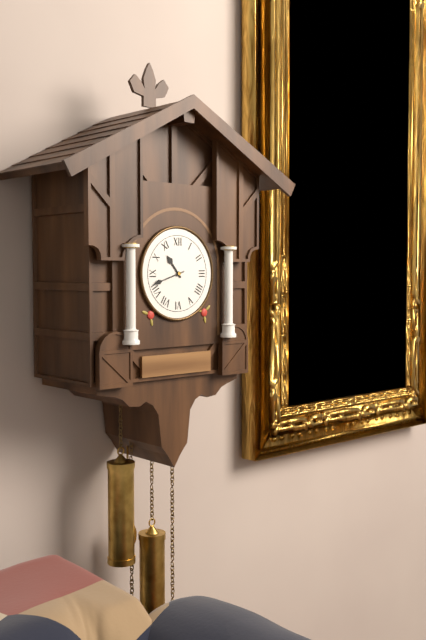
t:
10 h 42 min
